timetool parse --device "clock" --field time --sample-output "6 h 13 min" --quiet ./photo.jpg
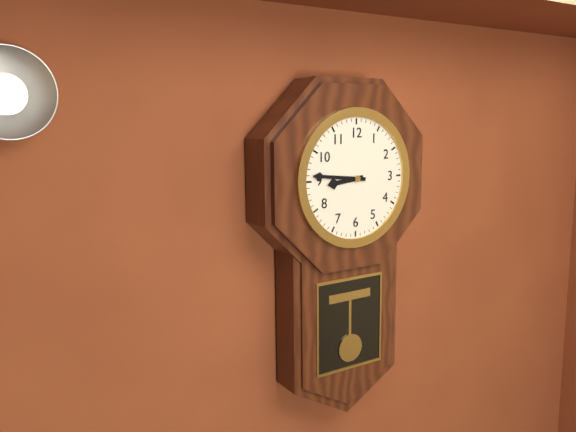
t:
8 h 46 min
